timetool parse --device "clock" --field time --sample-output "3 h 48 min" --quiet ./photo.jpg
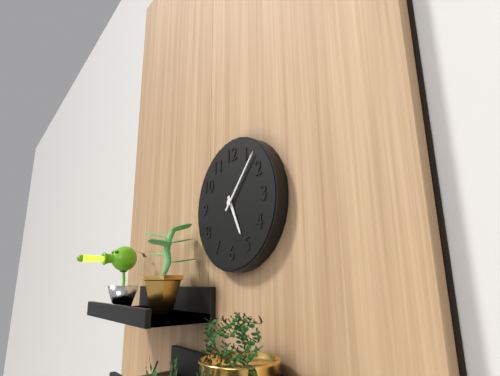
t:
5 h 07 min
